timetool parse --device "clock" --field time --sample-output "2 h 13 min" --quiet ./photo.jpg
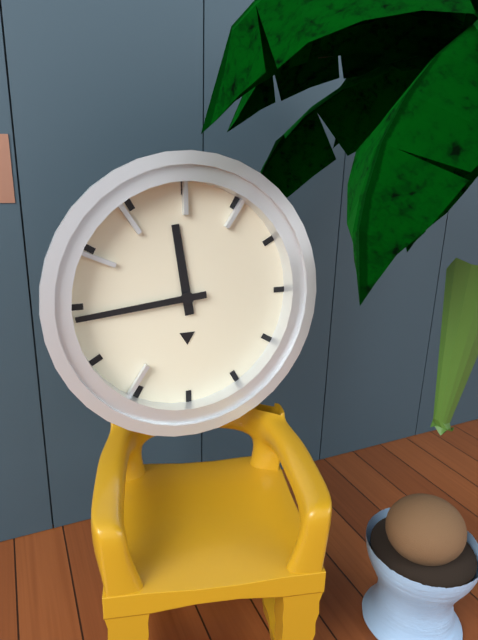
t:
11 h 44 min
